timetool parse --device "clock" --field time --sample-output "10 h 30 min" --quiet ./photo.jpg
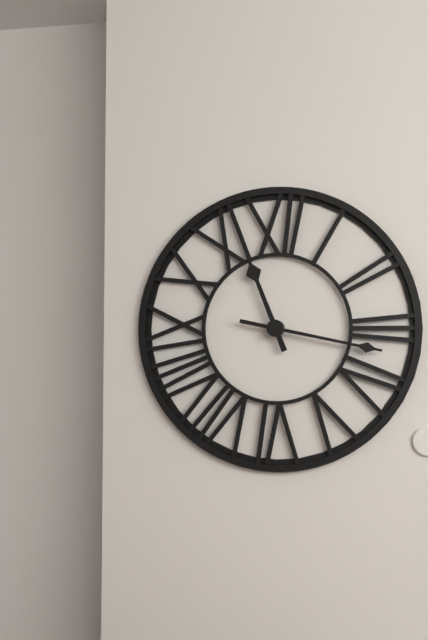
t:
11 h 17 min
